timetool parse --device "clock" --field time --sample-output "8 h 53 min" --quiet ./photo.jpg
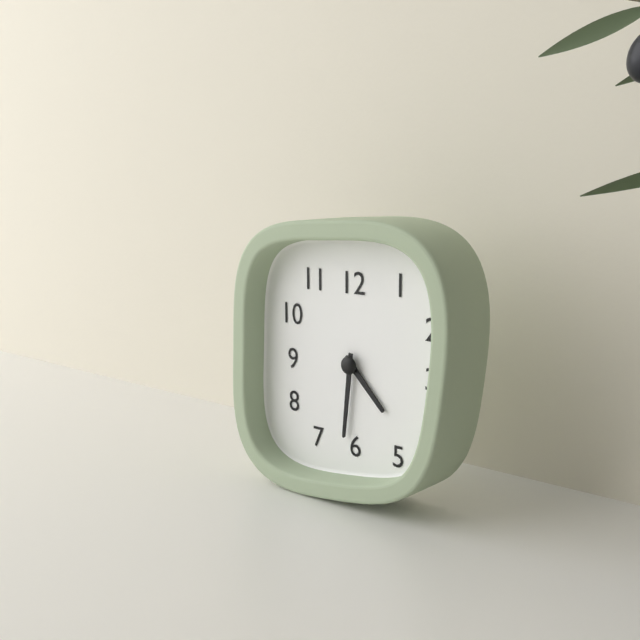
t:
4 h 31 min
